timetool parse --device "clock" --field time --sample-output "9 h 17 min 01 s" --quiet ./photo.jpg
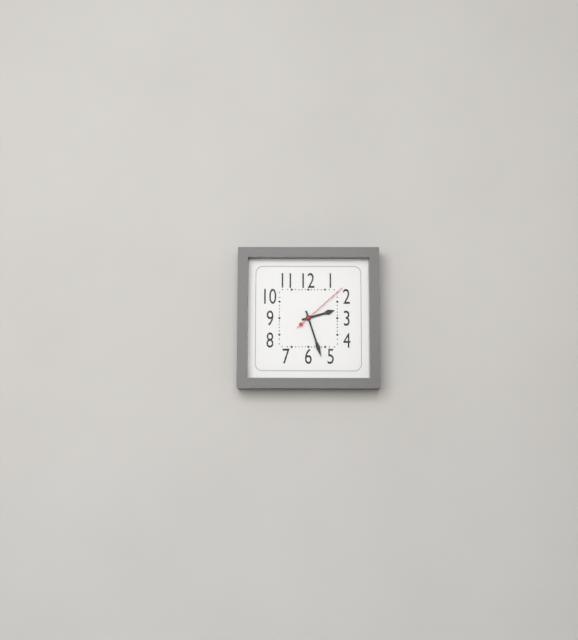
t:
2 h 27 min 08 s
